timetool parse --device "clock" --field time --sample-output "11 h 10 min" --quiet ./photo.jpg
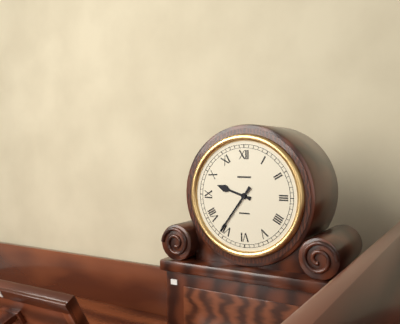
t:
9 h 36 min
